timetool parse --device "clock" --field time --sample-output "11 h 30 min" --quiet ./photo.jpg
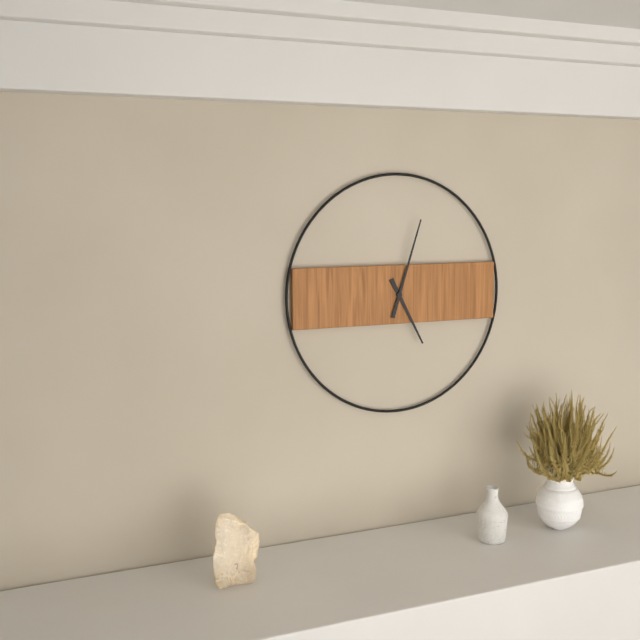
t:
5 h 03 min
